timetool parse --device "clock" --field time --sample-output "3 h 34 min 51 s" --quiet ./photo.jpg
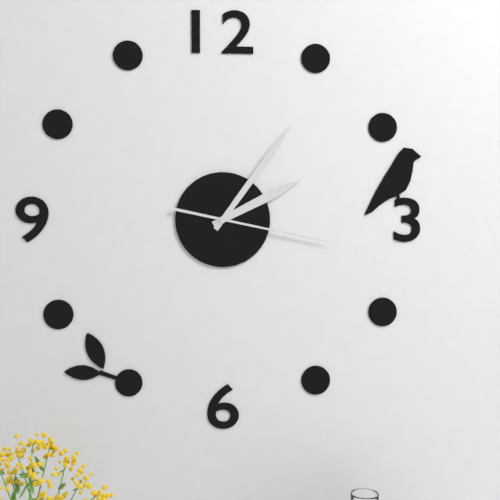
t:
2 h 06 min 17 s
